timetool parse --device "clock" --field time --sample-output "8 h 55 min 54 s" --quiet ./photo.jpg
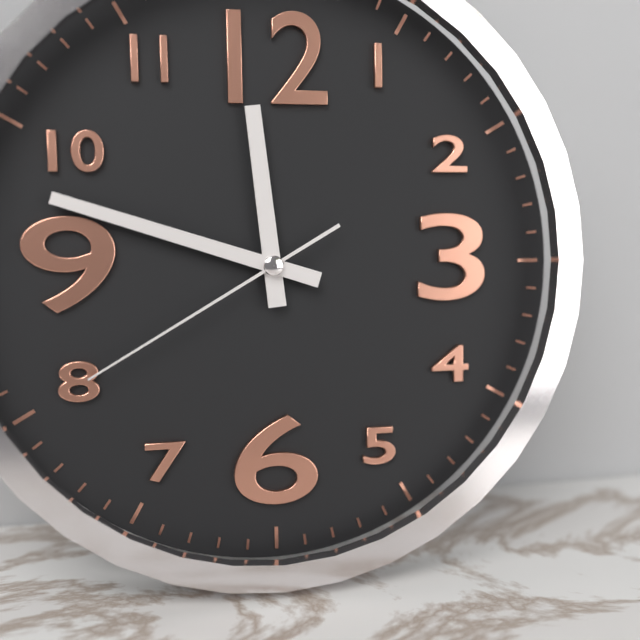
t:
11 h 48 min 40 s
